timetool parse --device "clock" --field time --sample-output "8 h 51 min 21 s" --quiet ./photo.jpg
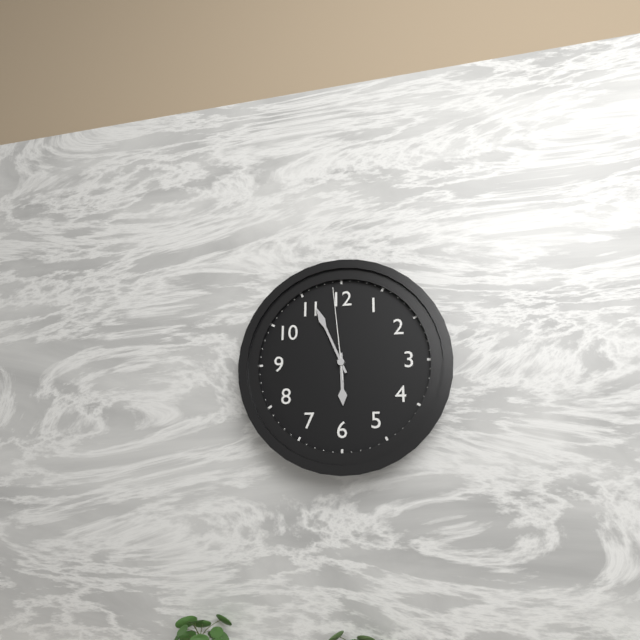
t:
5 h 56 min 59 s
